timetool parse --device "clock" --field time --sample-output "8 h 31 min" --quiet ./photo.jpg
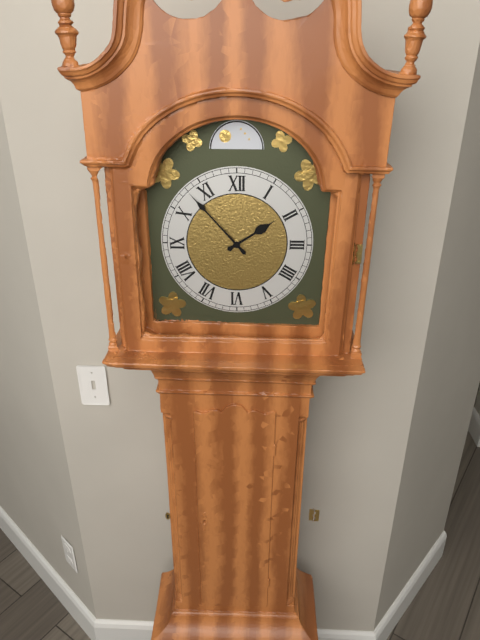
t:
1 h 53 min
